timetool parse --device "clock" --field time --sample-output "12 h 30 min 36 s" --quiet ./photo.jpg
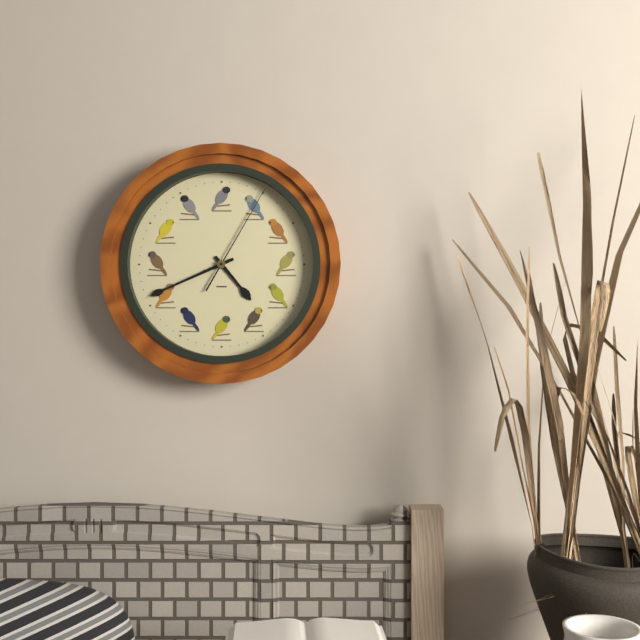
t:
4 h 41 min 05 s
